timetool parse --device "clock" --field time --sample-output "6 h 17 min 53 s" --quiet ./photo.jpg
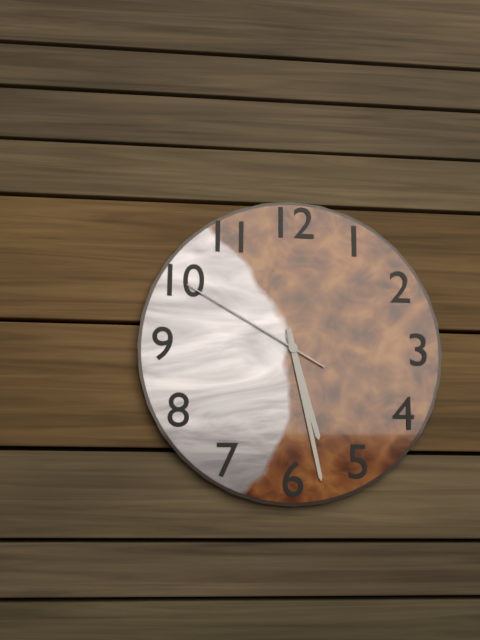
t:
5 h 28 min 50 s
